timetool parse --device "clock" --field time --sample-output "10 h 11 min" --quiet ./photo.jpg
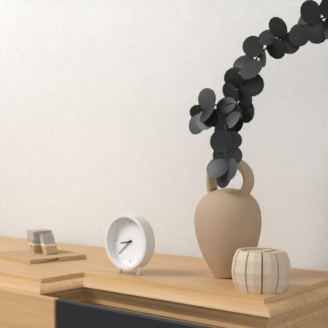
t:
8 h 38 min
